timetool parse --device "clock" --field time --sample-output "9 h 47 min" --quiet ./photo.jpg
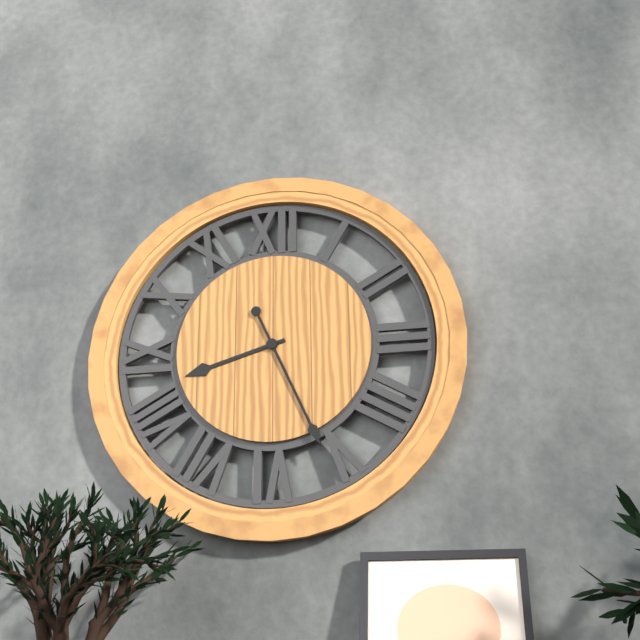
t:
8 h 26 min
